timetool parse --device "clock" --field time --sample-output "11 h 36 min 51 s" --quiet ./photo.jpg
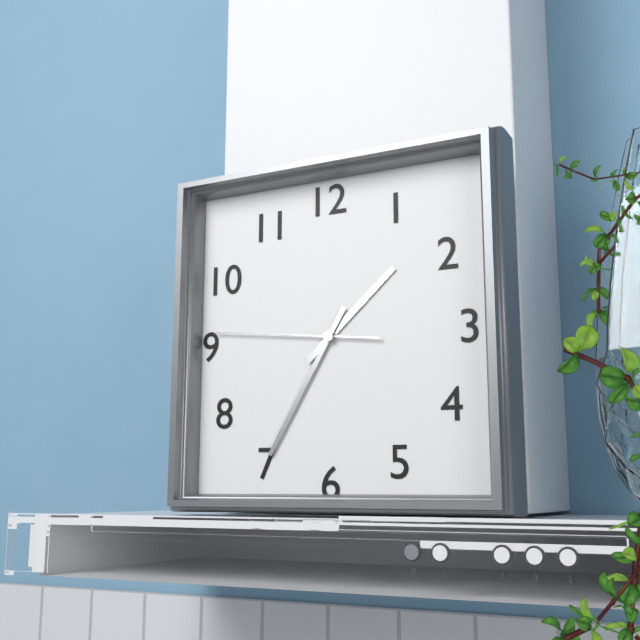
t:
1 h 35 min 46 s
